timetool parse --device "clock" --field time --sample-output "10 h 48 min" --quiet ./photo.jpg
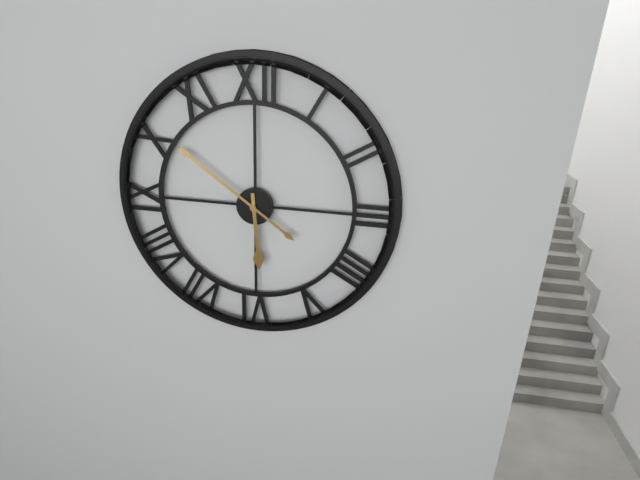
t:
5 h 51 min
